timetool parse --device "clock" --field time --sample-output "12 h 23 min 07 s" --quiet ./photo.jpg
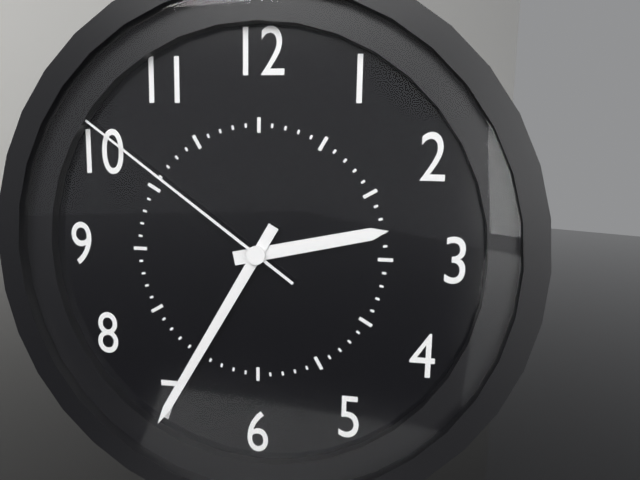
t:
2 h 35 min 51 s
